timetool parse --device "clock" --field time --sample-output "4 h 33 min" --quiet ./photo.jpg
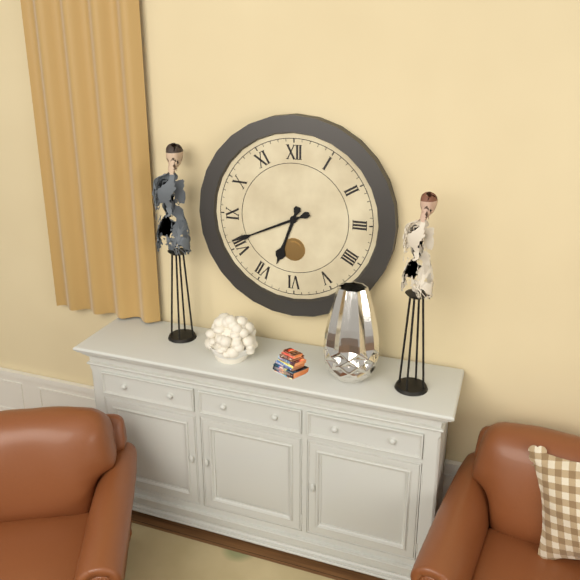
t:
6 h 41 min
